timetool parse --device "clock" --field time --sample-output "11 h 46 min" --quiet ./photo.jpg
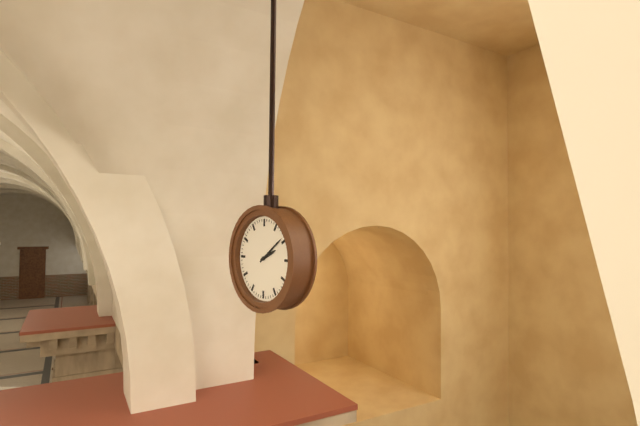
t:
2 h 09 min
